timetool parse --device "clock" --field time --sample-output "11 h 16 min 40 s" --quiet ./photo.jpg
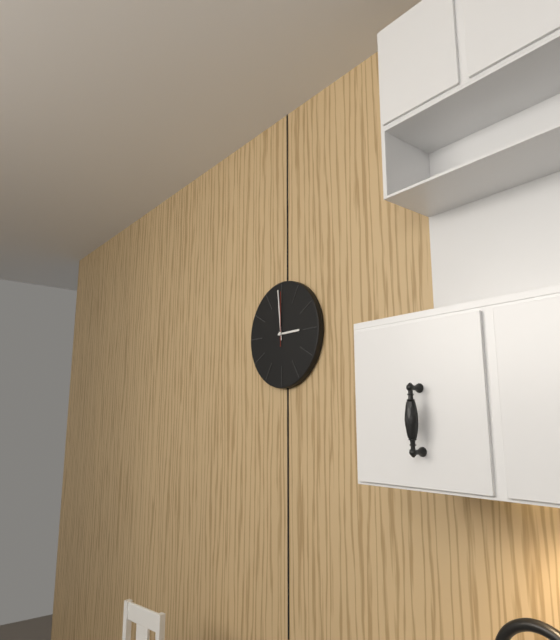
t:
2 h 59 min 00 s
